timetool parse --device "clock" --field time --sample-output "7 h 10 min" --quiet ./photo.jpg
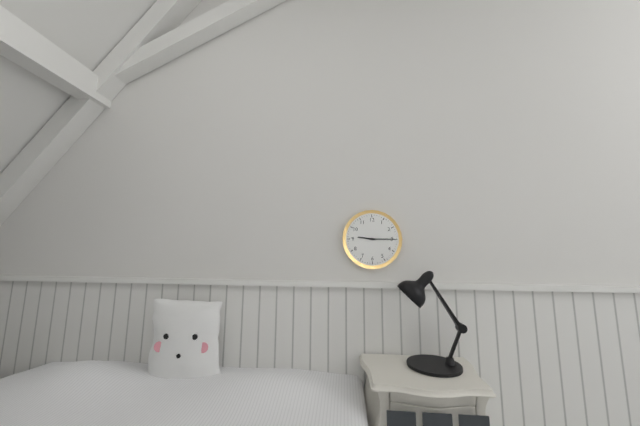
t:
9 h 15 min
